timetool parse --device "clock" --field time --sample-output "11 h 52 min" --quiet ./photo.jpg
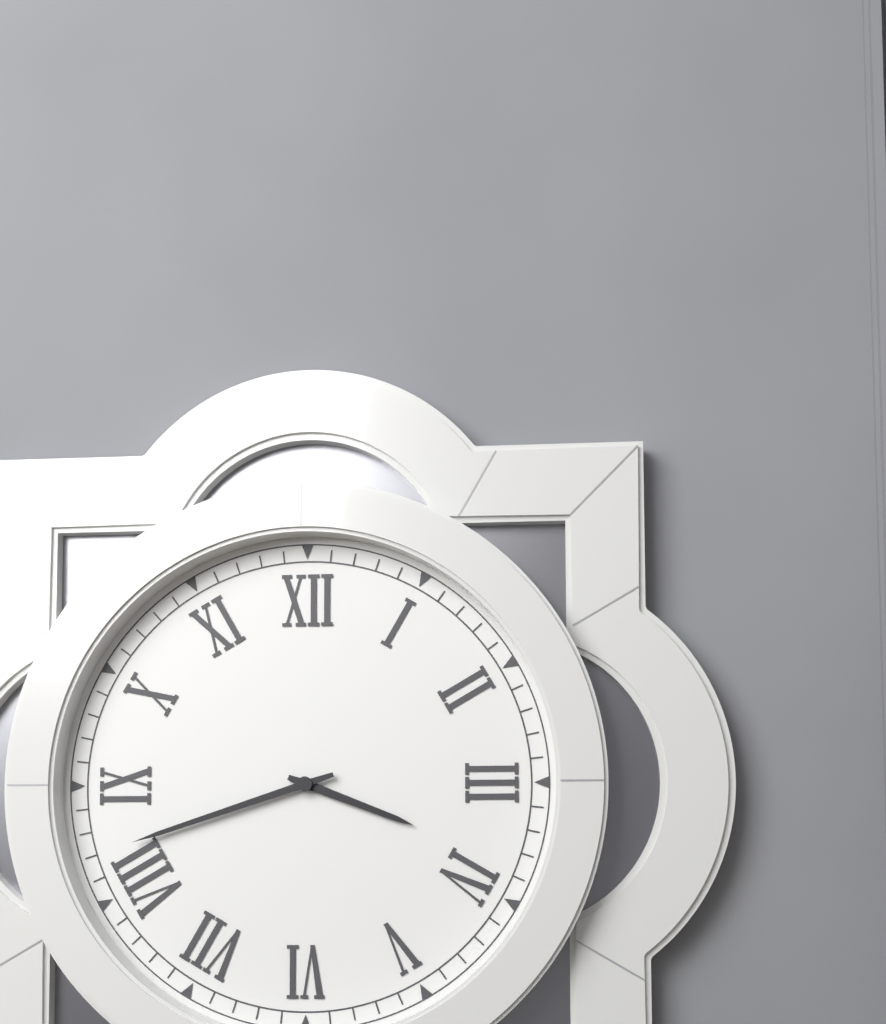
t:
3 h 42 min
